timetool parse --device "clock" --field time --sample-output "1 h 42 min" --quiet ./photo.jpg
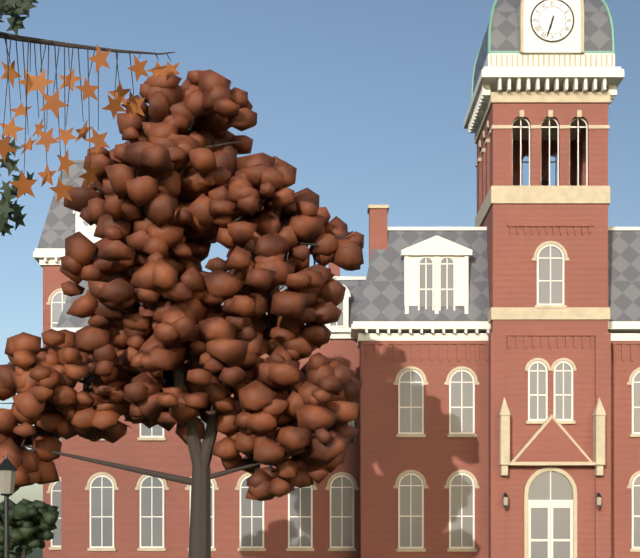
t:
6 h 33 min
